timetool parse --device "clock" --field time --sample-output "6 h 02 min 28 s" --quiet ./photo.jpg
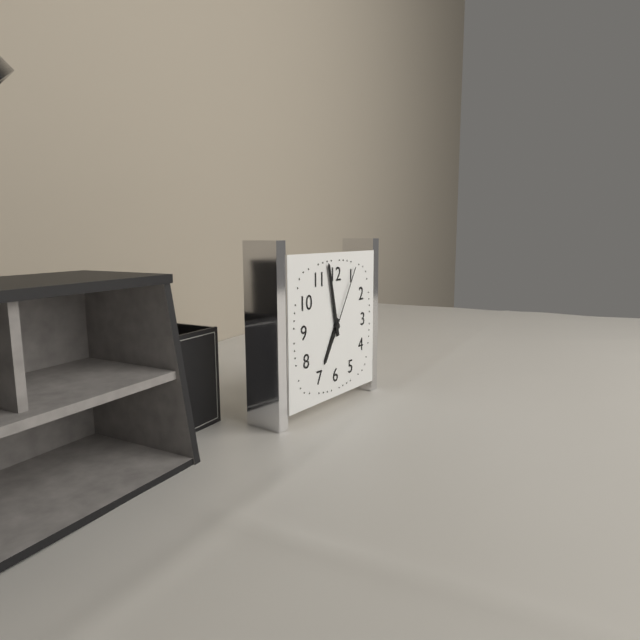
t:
6 h 58 min 05 s
